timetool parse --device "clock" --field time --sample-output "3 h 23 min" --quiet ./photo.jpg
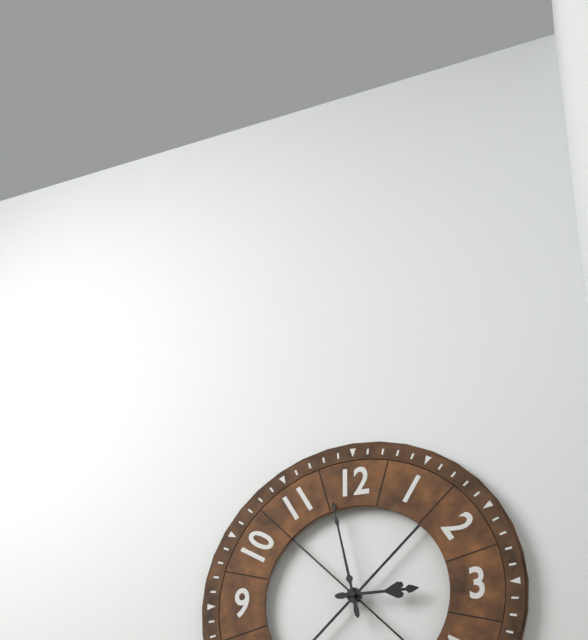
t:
2 h 58 min
